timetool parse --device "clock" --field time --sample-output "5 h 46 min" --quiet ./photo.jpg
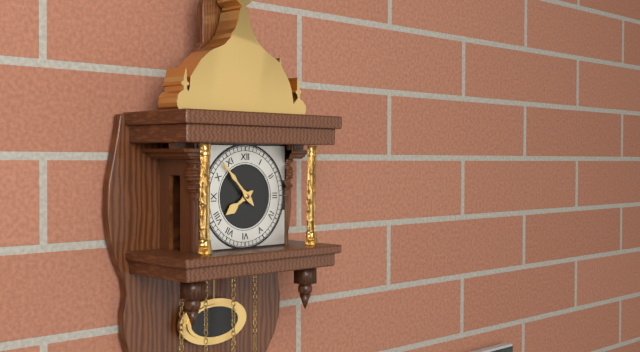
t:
7 h 53 min
